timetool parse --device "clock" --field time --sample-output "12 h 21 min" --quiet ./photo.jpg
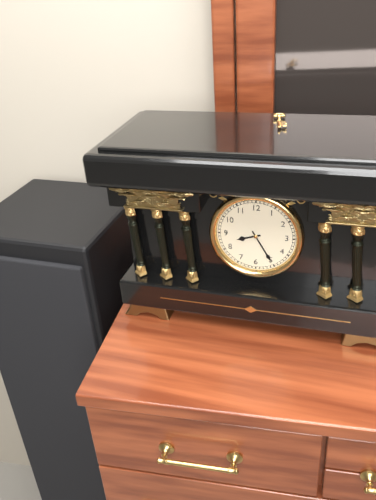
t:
8 h 25 min
